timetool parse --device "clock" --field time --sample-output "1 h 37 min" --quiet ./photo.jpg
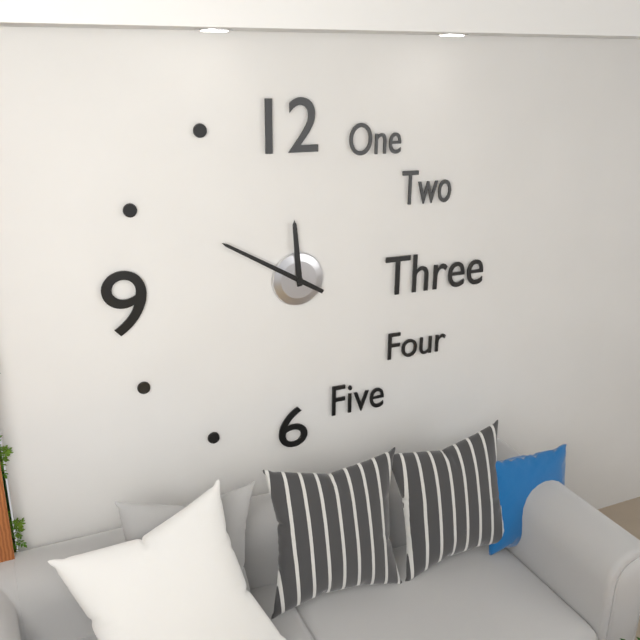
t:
11 h 50 min
